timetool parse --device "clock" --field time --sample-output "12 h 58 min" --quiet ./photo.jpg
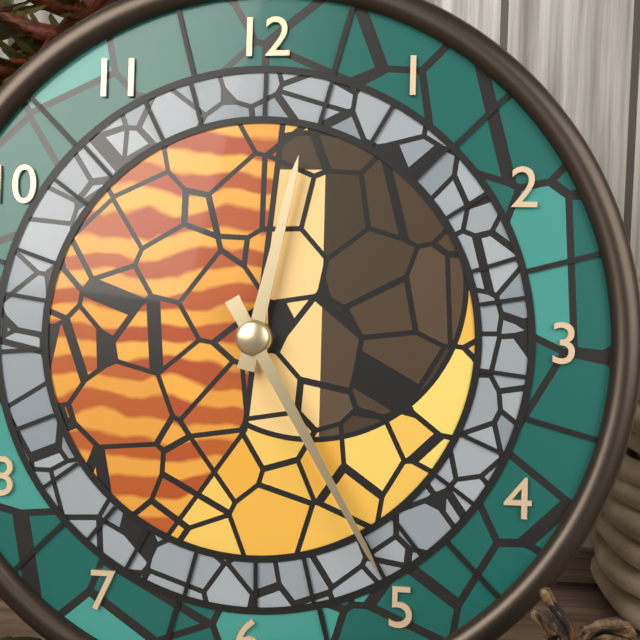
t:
12 h 25 min
